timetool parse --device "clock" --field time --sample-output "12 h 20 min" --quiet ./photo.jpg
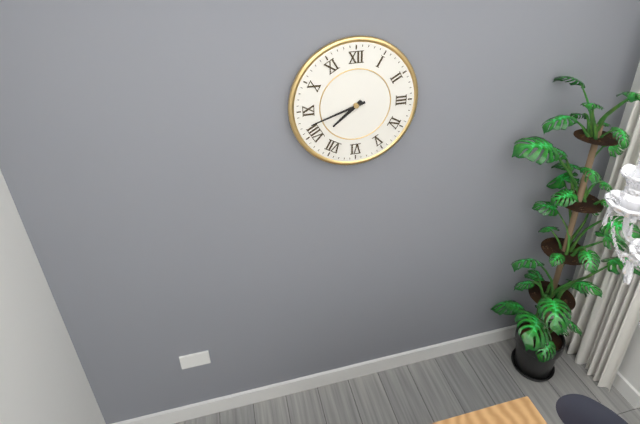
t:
7 h 42 min
